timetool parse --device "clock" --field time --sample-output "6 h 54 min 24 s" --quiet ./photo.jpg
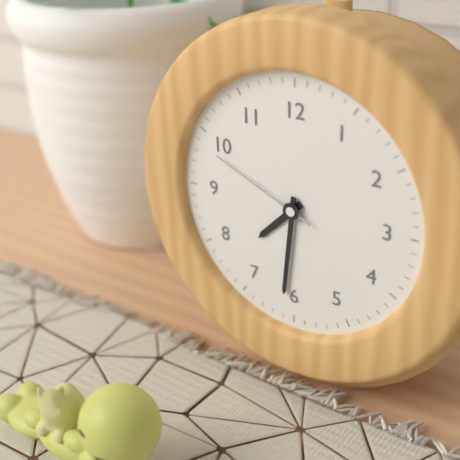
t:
7 h 31 min 49 s
